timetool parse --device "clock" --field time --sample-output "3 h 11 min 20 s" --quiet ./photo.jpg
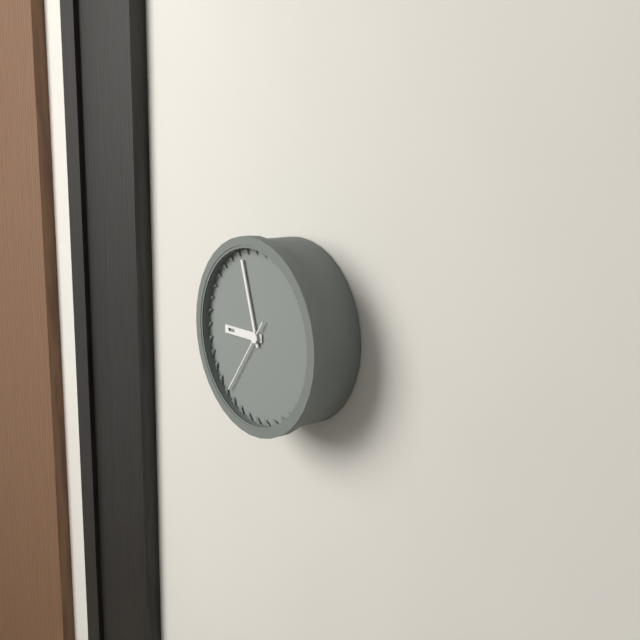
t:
8 h 57 min 36 s
